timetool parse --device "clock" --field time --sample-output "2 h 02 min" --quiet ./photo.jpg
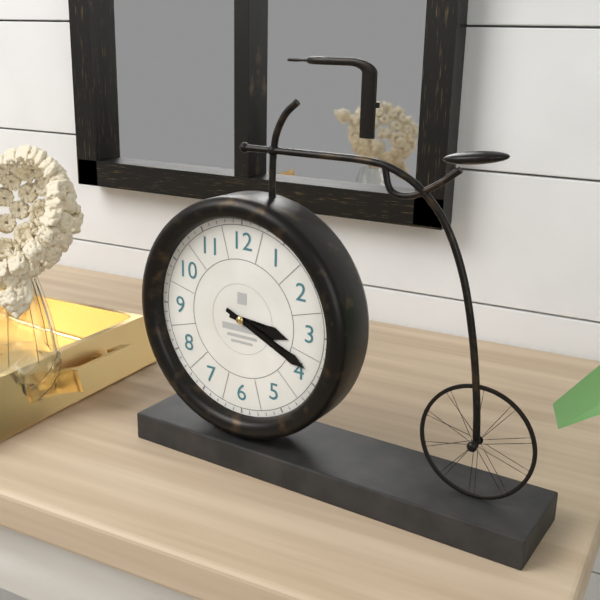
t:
3 h 19 min
